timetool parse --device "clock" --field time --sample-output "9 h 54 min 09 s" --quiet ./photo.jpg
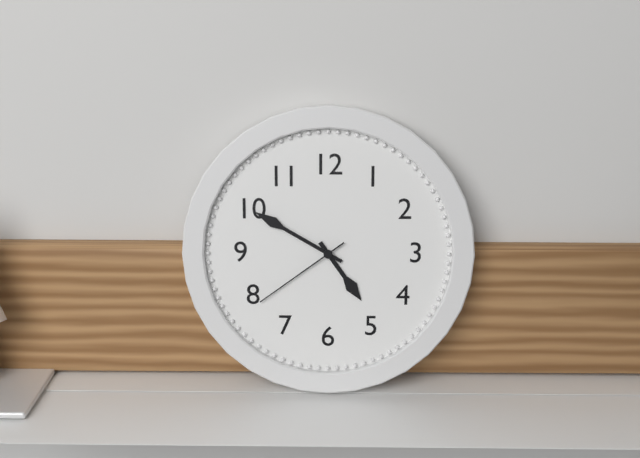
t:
4 h 50 min 39 s
